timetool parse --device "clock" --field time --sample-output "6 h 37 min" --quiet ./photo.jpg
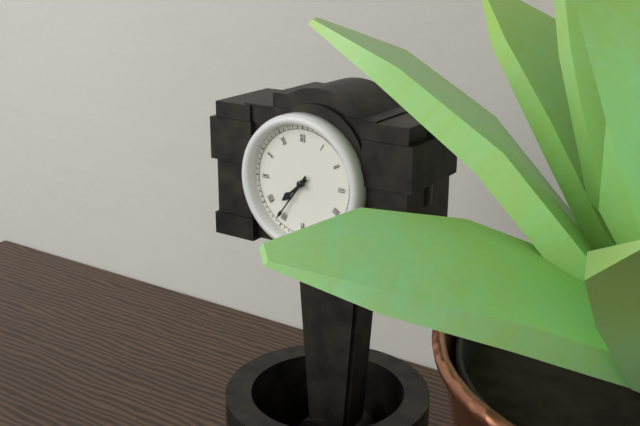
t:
7 h 36 min
